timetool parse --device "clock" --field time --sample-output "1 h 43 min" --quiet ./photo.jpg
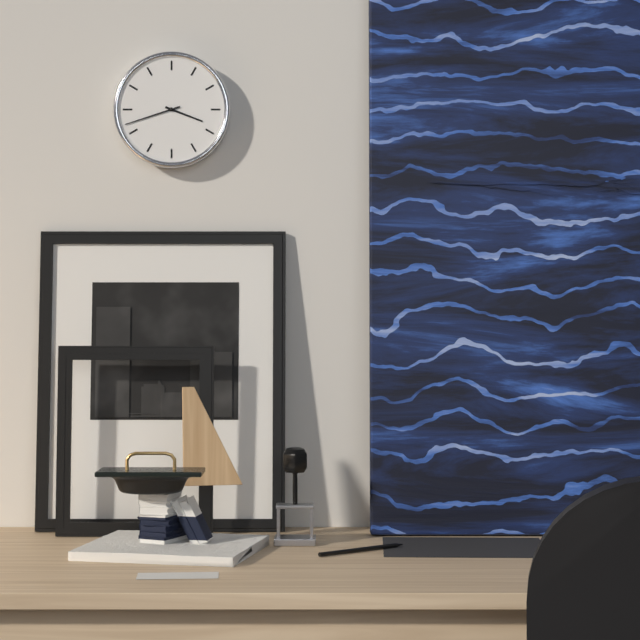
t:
3 h 42 min
